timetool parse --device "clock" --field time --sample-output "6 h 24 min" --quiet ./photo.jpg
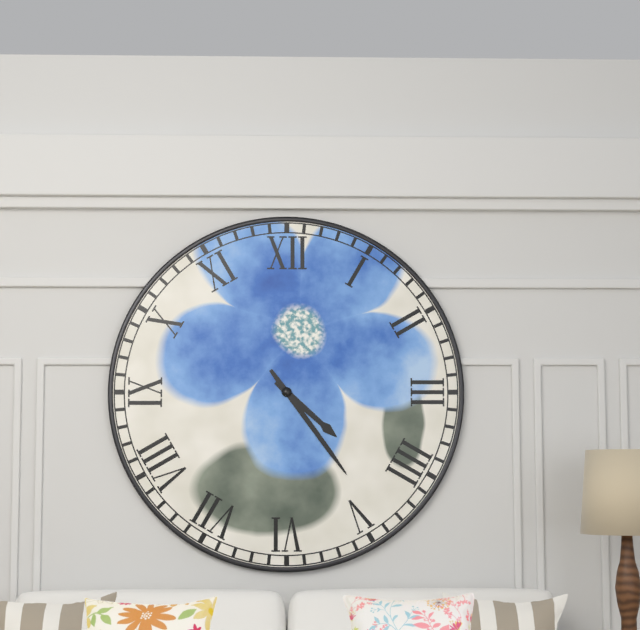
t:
4 h 24 min
